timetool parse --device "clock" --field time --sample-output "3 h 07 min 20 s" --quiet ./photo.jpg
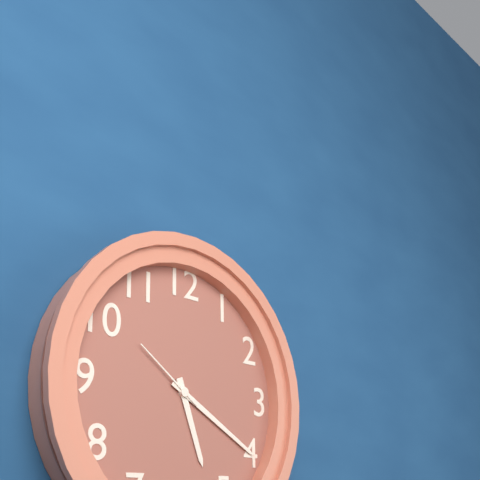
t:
5 h 20 min 51 s
